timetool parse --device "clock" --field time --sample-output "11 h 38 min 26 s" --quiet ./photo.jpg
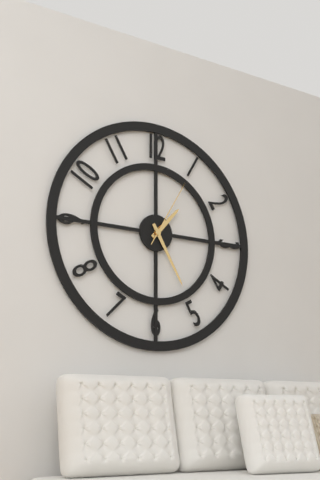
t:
1 h 25 min 05 s
